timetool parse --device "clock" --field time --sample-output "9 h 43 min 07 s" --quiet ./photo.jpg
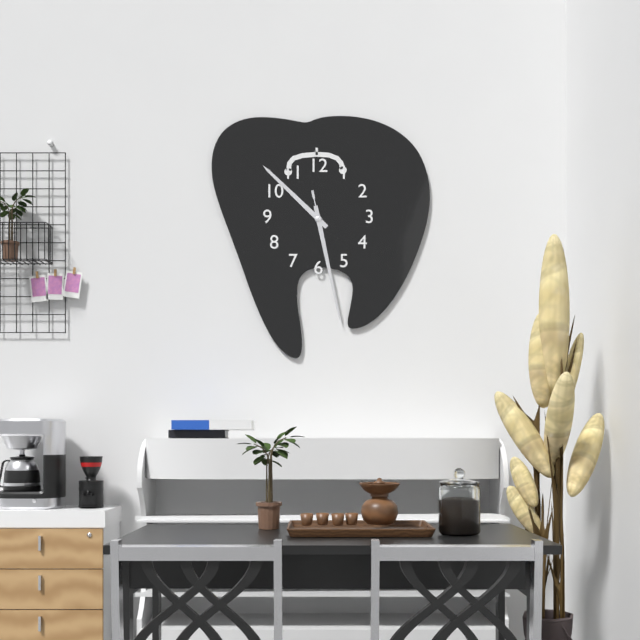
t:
10 h 28 min 28 s
